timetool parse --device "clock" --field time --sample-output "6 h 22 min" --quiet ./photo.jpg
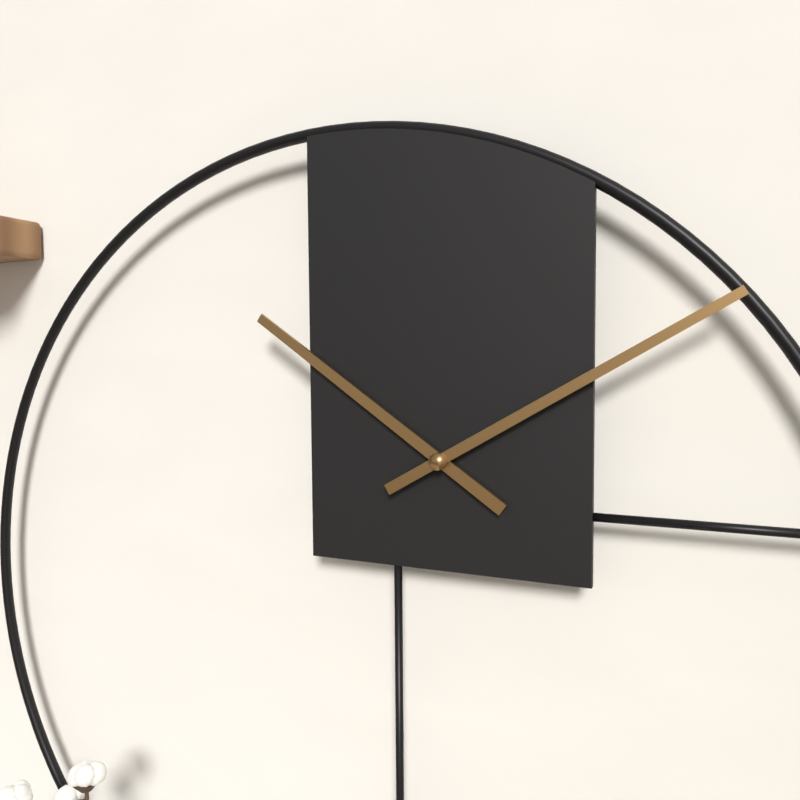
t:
10 h 10 min
